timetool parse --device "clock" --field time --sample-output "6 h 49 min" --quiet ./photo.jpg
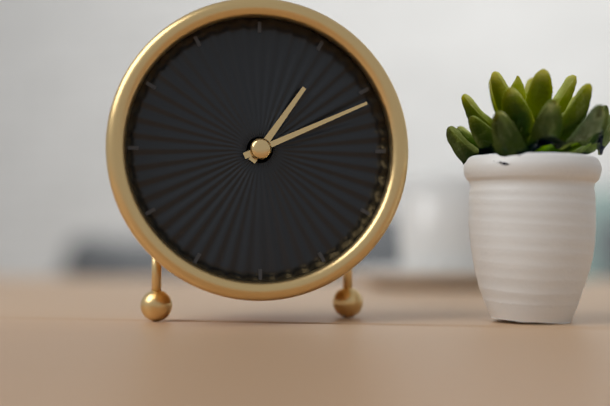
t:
1 h 11 min
